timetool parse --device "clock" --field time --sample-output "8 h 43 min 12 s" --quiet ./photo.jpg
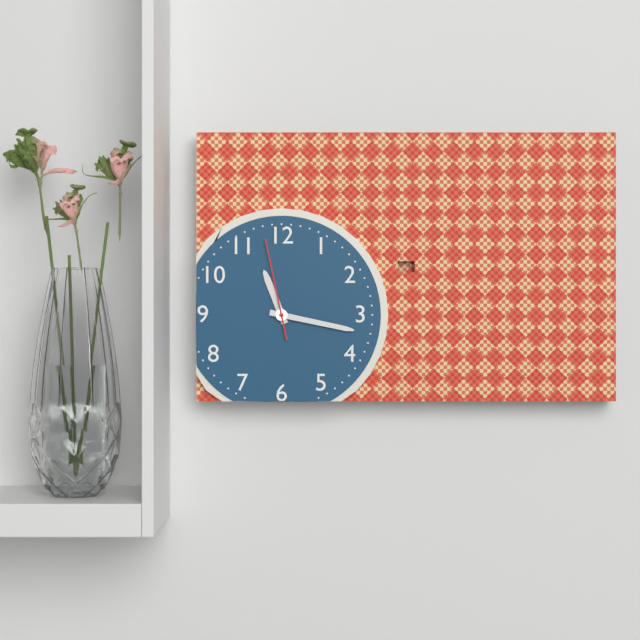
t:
11 h 17 min 58 s
